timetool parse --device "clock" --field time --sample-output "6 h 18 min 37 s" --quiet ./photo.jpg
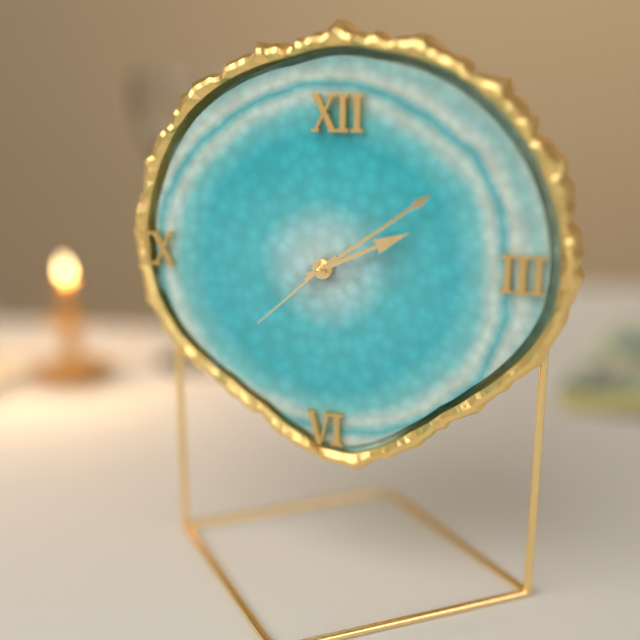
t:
2 h 09 min 38 s
